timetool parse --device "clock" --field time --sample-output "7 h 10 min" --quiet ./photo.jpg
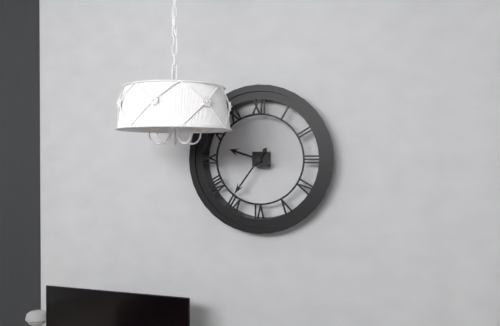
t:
9 h 36 min
